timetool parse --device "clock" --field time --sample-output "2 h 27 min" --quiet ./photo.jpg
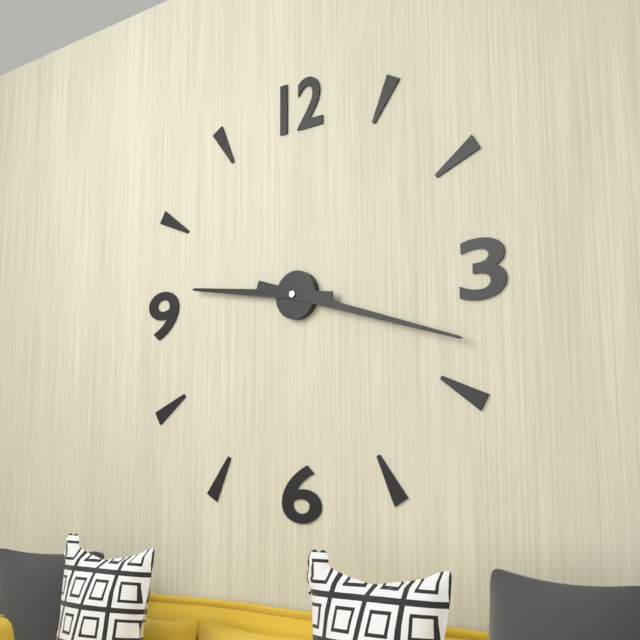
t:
9 h 18 min
